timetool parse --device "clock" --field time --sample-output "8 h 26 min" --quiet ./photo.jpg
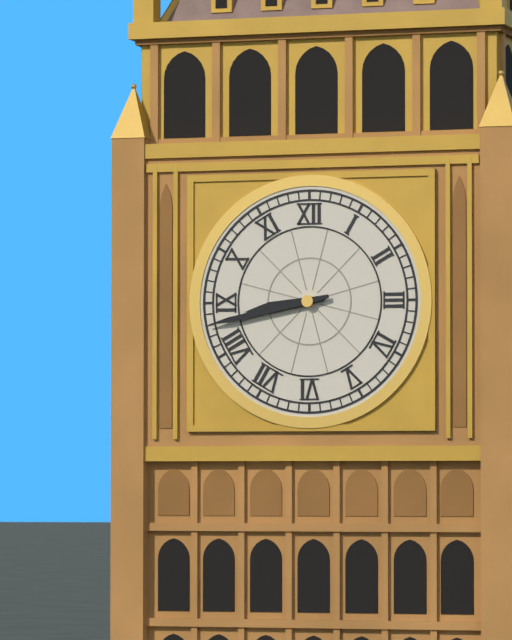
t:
8 h 43 min
